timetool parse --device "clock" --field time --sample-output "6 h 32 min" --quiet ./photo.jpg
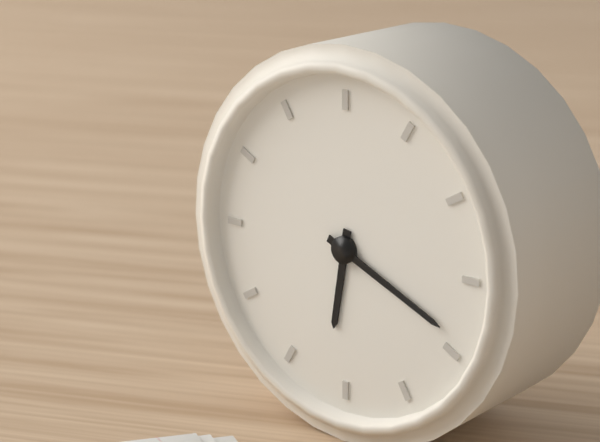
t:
6 h 19 min
